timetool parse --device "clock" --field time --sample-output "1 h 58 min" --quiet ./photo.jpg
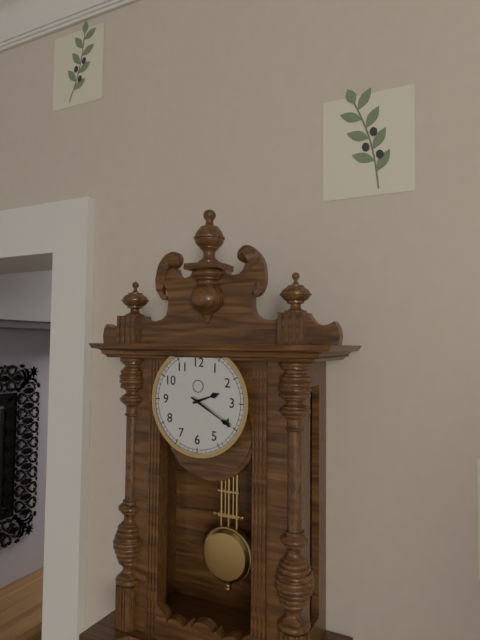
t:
2 h 20 min
